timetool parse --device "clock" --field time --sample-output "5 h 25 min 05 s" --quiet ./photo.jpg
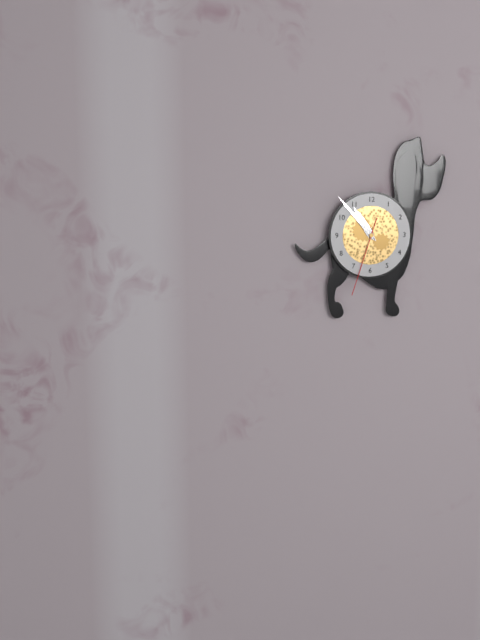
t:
10 h 53 min 33 s
